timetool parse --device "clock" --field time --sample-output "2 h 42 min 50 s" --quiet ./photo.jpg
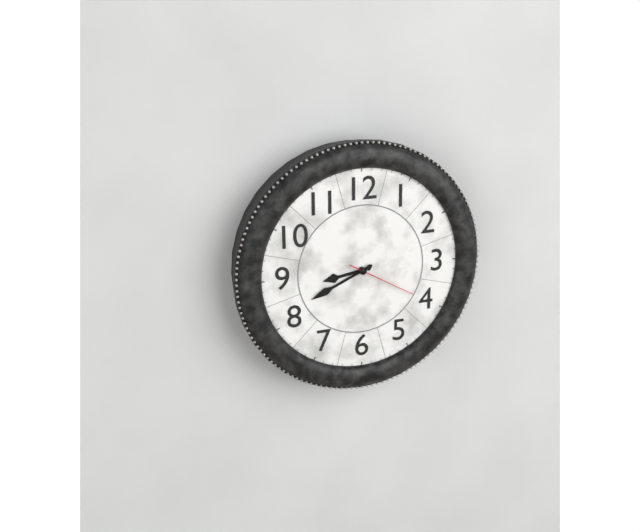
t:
8 h 41 min 20 s
